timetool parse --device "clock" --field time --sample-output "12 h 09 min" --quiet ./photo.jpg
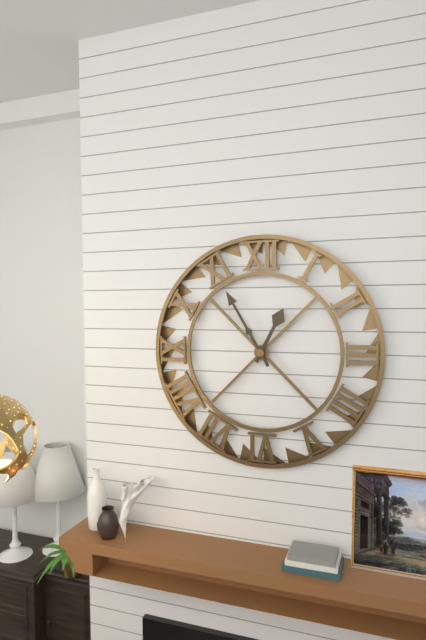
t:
12 h 55 min
